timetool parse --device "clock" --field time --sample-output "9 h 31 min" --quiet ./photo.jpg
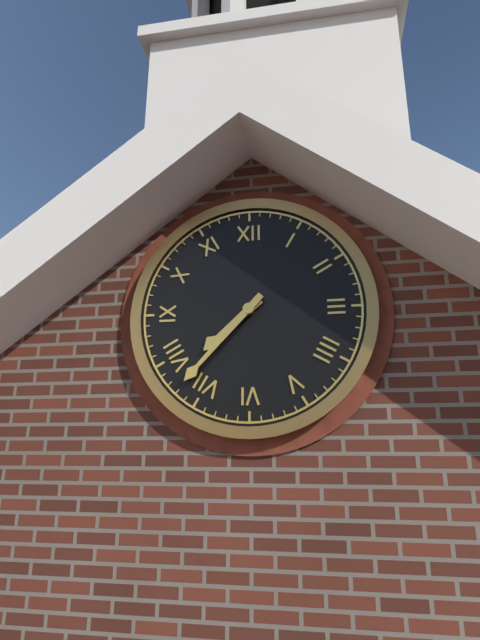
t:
7 h 37 min
